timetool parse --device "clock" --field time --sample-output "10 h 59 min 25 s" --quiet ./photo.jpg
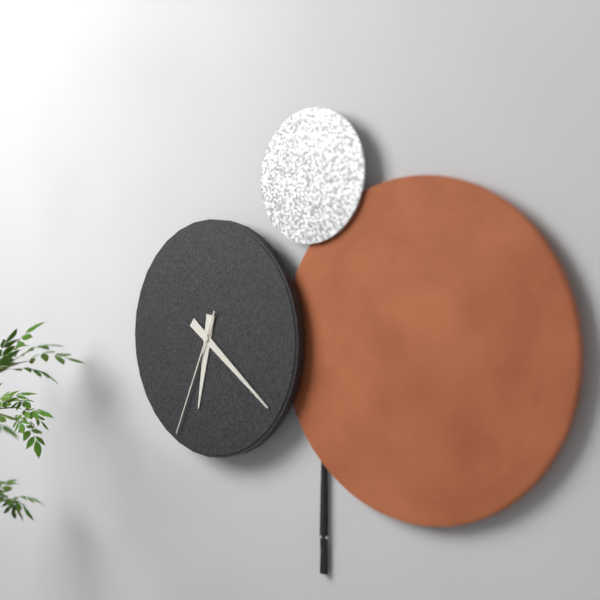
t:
6 h 21 min 34 s
